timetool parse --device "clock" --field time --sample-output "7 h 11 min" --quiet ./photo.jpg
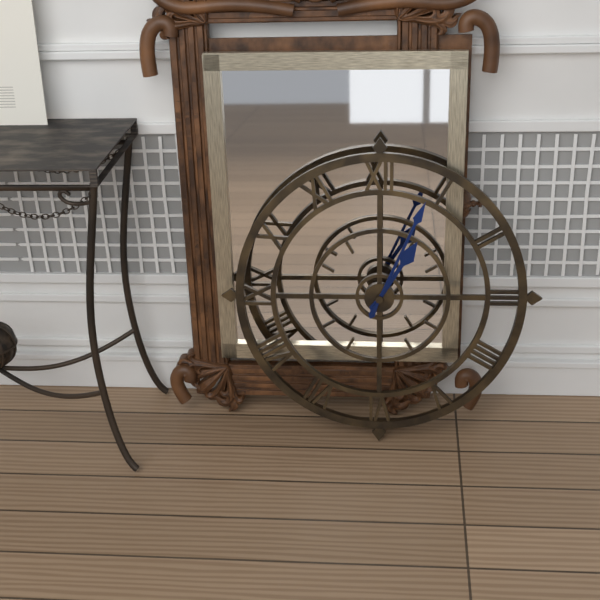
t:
1 h 04 min
